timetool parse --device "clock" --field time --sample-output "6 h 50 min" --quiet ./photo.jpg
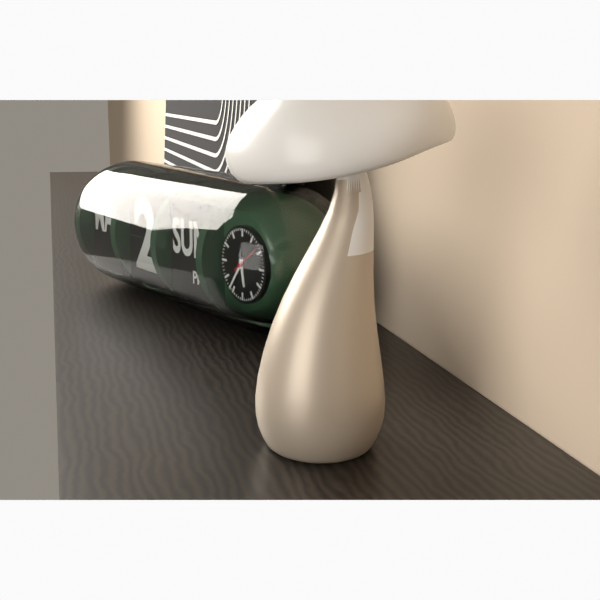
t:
5 h 36 min
